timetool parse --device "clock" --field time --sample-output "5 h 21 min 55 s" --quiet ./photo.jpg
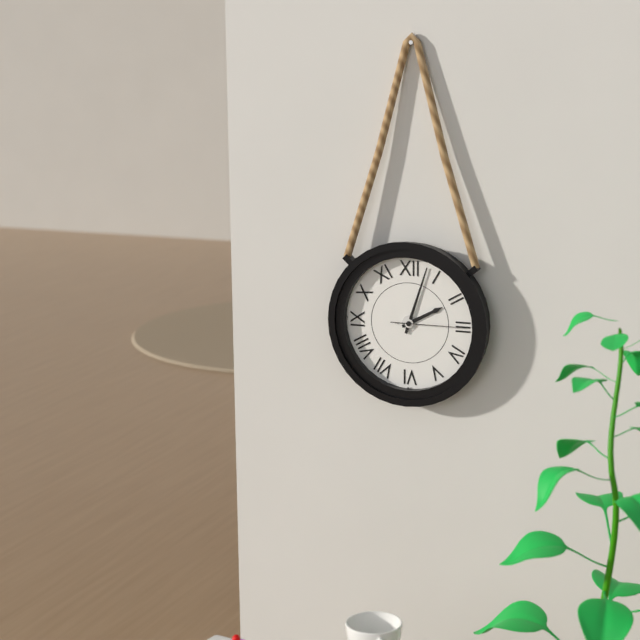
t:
2 h 03 min 15 s
